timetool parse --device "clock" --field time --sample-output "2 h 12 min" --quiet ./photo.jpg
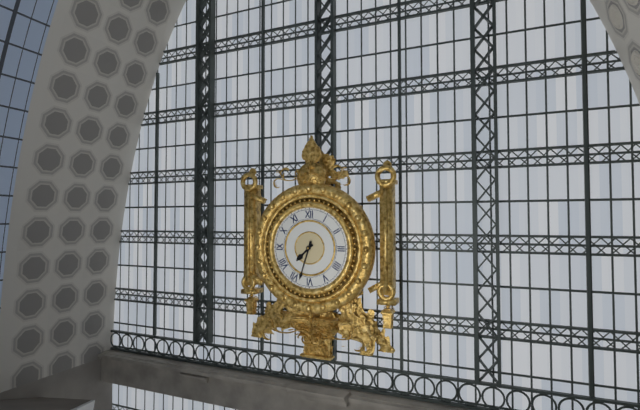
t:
7 h 33 min
